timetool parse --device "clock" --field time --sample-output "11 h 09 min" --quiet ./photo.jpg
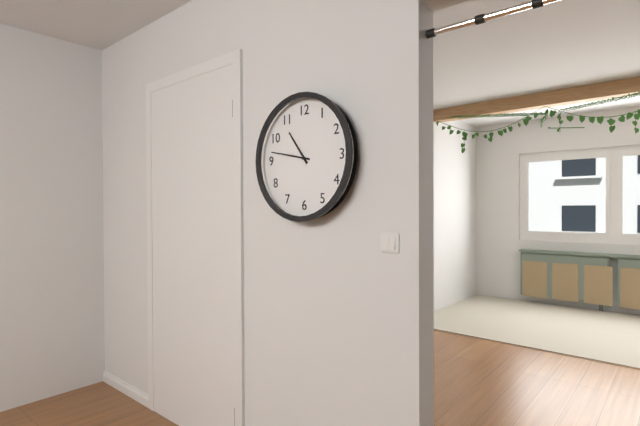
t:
10 h 47 min
